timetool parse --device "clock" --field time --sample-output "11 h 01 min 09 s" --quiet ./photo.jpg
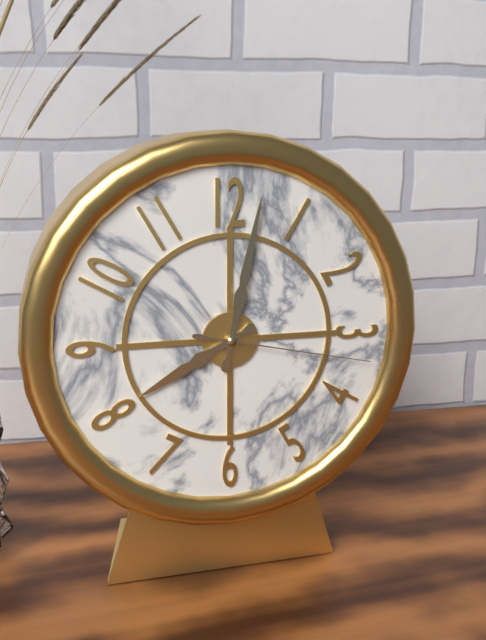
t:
8 h 02 min 17 s
